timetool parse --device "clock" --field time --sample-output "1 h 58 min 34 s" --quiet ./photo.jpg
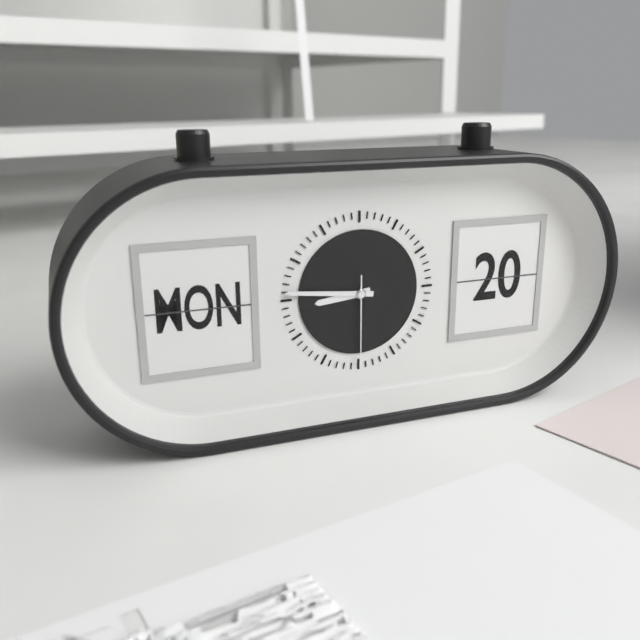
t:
8 h 46 min 30 s
